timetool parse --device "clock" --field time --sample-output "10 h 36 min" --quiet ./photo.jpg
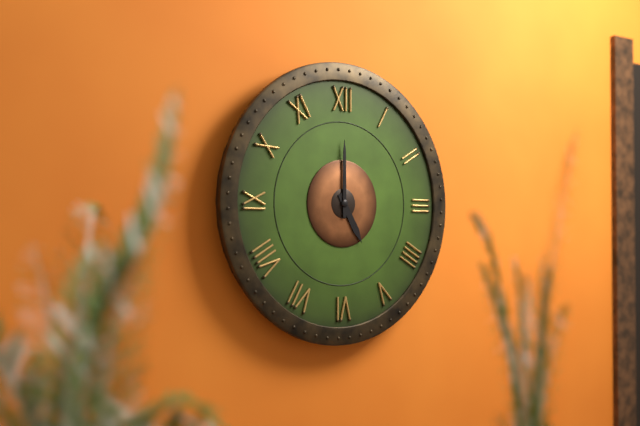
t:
5 h 00 min
